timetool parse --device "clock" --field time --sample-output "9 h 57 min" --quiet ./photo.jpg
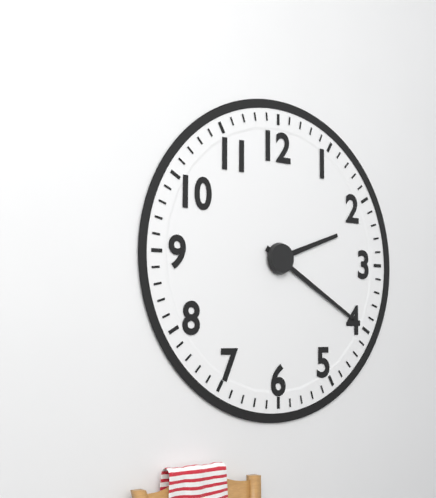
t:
2 h 20 min
